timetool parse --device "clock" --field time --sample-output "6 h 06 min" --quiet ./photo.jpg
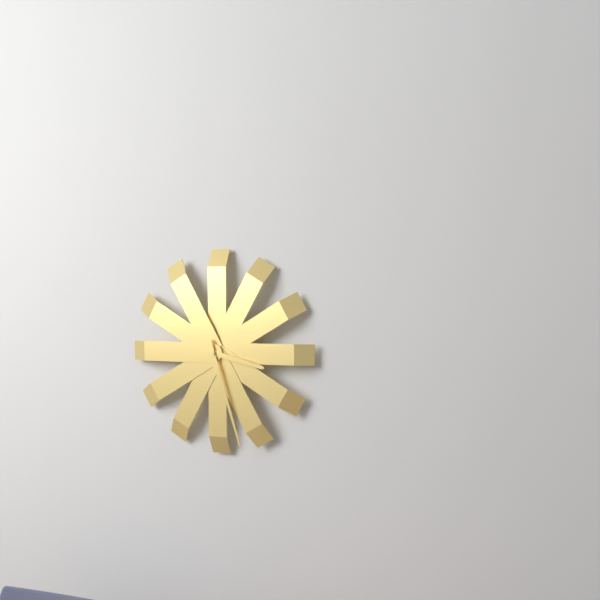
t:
3 h 27 min
